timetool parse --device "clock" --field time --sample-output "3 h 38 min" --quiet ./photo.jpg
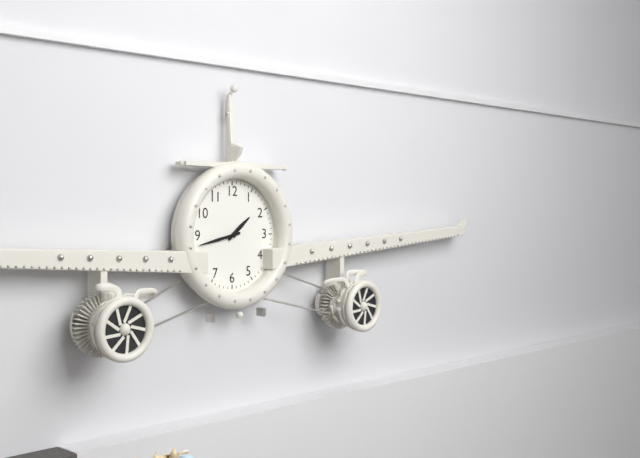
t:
1 h 43 min
